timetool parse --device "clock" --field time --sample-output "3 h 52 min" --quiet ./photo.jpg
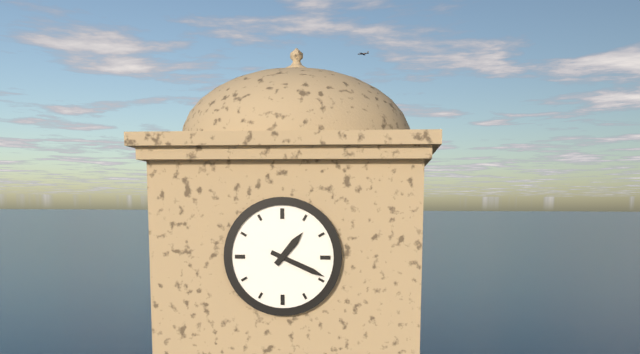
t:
1 h 19 min
